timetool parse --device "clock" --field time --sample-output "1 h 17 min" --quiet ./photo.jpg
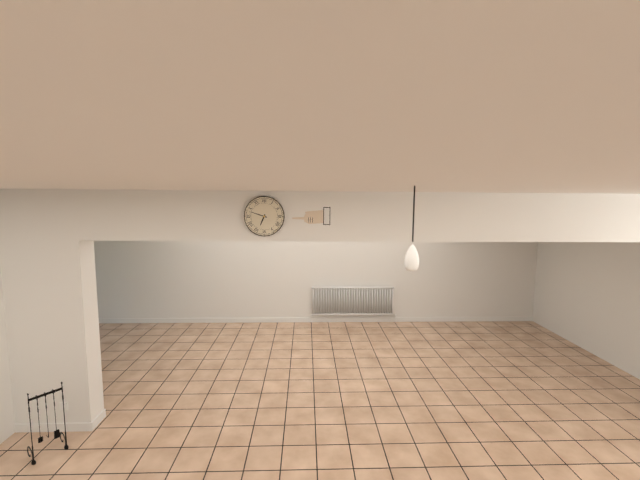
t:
6 h 48 min
